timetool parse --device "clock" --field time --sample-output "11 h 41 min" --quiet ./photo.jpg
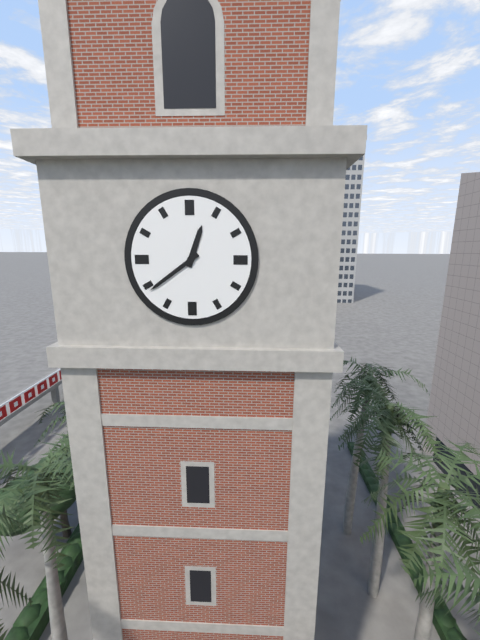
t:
12 h 39 min
